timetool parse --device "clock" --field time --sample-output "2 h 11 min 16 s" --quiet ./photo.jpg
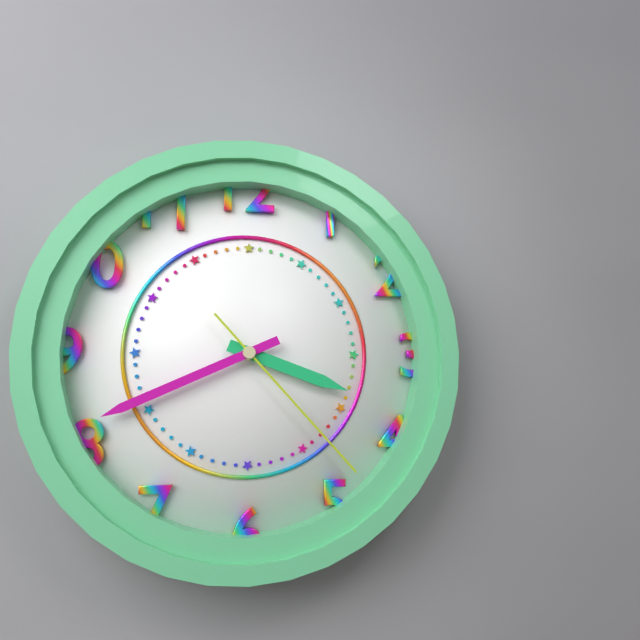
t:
3 h 41 min 23 s
